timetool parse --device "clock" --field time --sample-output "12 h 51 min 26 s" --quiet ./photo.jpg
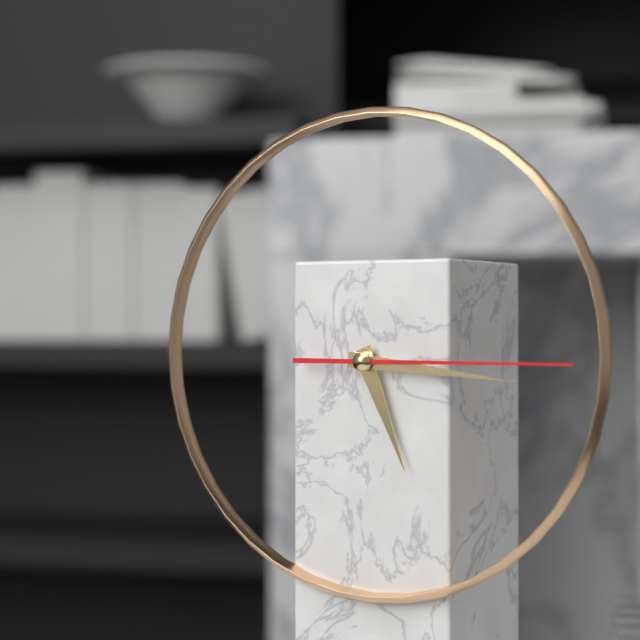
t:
5 h 16 min 15 s
